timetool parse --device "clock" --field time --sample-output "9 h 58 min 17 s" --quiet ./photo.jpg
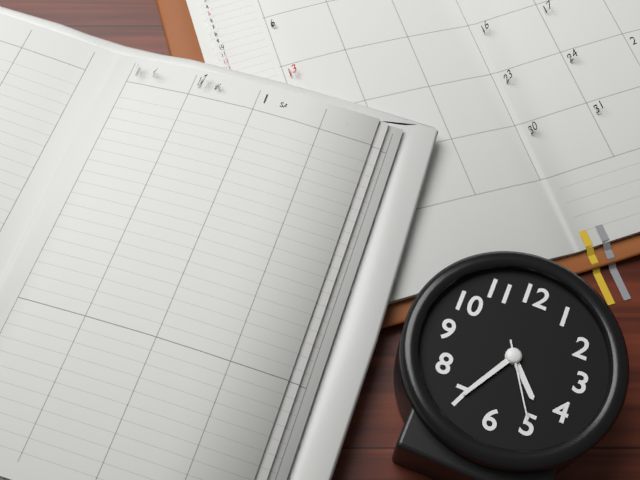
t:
4 h 35 min 25 s
